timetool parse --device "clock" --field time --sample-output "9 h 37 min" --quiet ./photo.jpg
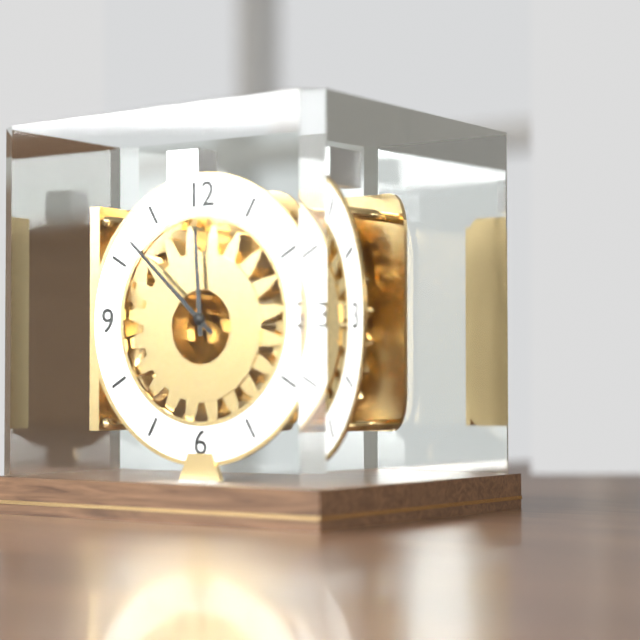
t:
11 h 52 min
